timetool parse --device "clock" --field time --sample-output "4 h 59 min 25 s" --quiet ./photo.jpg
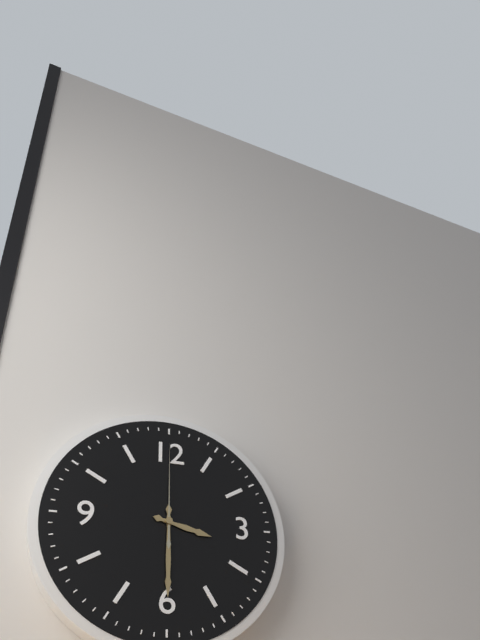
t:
3 h 30 min 00 s
